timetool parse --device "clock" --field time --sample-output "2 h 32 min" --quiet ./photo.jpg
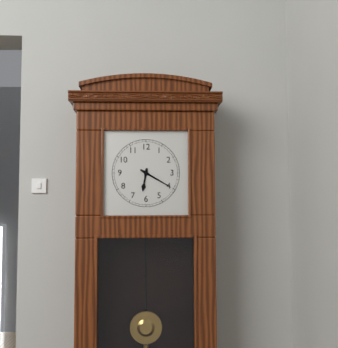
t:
6 h 20 min
